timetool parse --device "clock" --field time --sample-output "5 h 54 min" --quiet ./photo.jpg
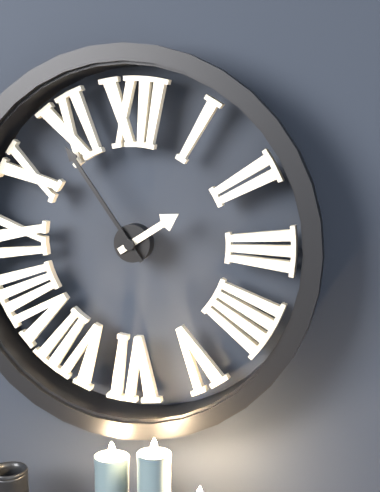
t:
1 h 54 min
